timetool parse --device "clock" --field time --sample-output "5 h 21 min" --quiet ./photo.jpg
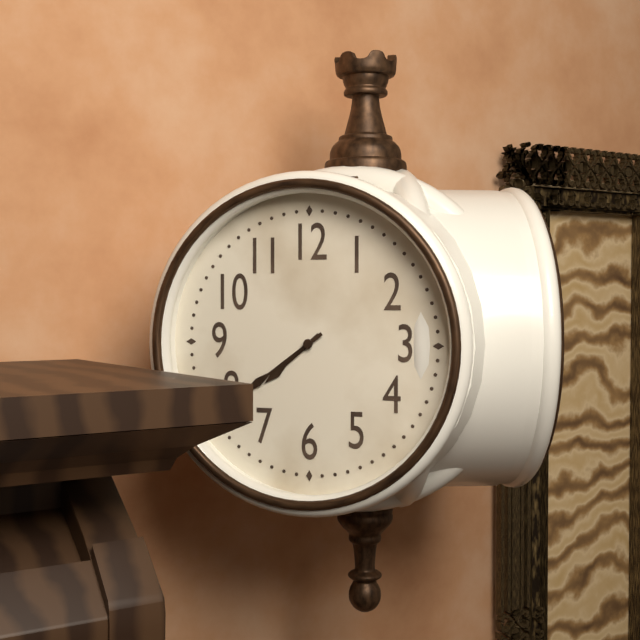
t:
7 h 39 min
